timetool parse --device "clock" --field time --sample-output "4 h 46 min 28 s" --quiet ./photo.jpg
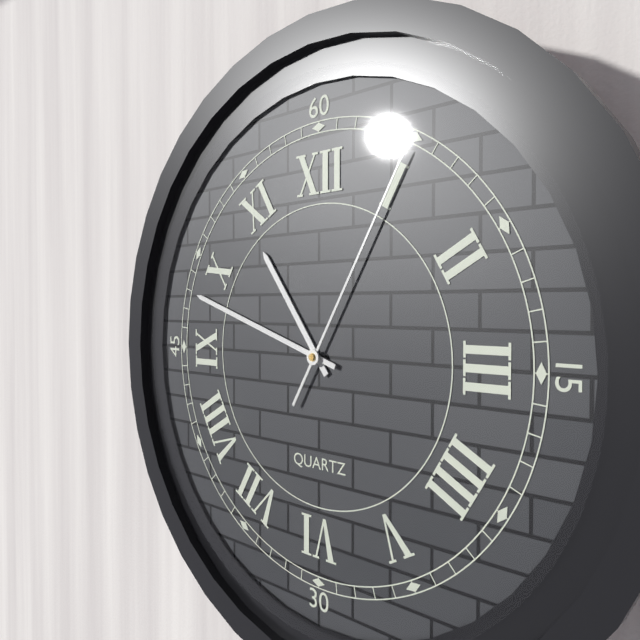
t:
10 h 48 min 05 s
